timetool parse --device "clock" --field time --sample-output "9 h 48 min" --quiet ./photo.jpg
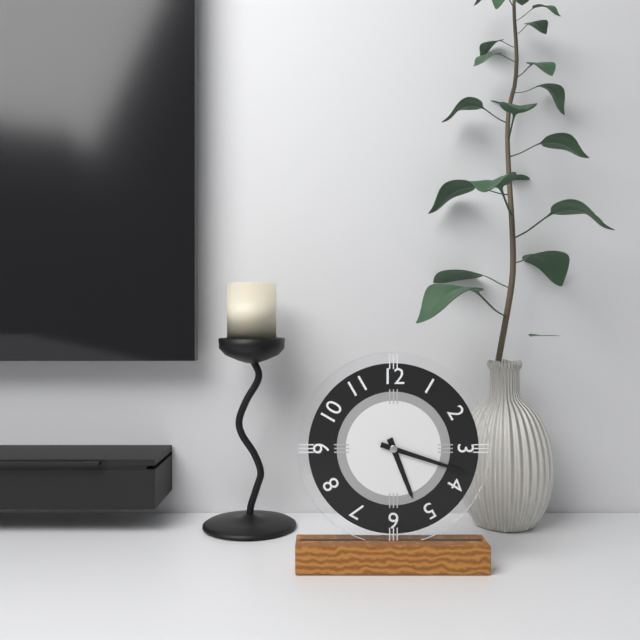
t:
5 h 18 min
